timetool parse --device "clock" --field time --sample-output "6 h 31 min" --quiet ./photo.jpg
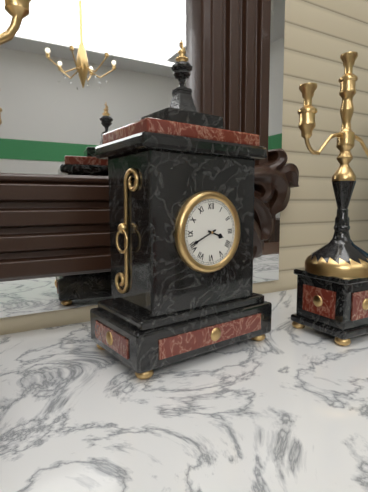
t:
3 h 41 min
